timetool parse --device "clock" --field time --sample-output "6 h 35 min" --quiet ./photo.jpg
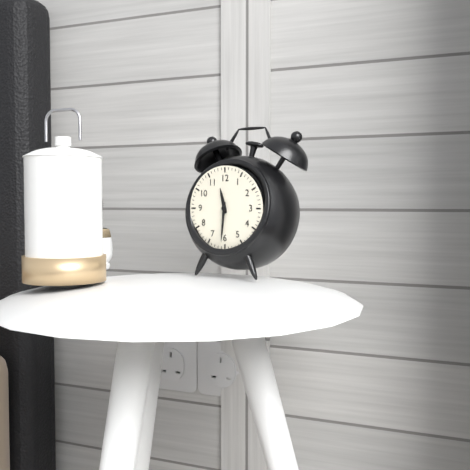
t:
11 h 31 min
